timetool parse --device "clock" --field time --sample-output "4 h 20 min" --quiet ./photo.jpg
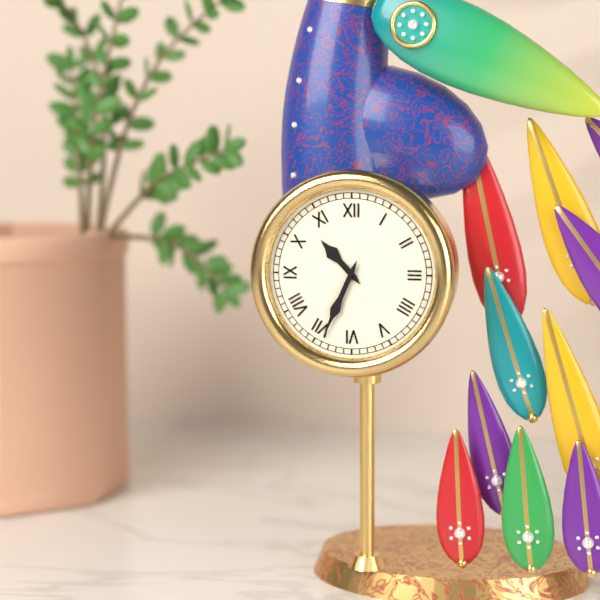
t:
10 h 34 min
